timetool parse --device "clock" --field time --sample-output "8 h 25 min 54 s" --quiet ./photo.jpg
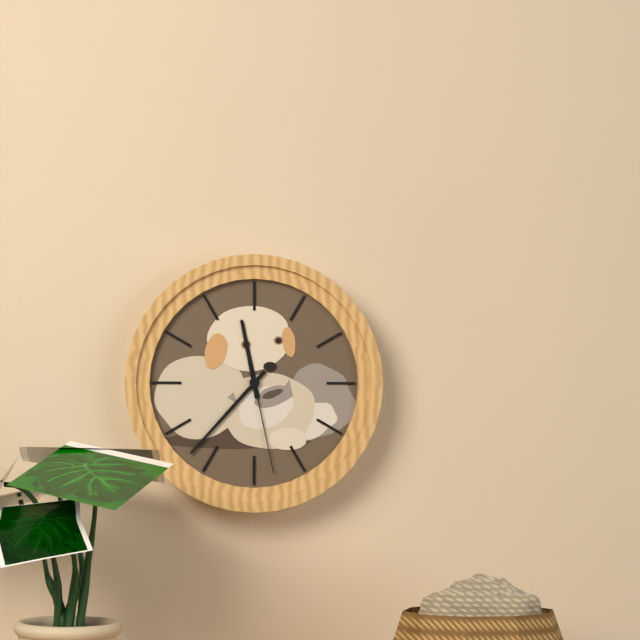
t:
11 h 37 min 28 s
